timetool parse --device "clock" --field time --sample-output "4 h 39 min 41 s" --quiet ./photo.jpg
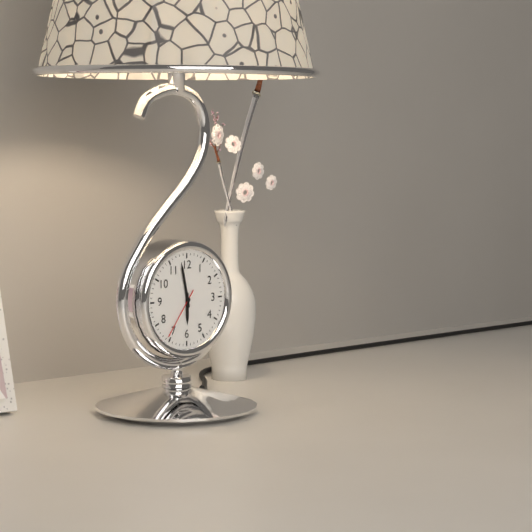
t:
5 h 58 min 36 s
